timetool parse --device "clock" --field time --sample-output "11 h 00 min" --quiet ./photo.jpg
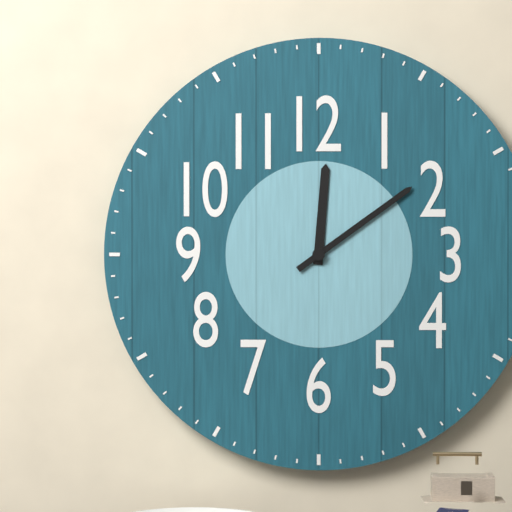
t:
12 h 09 min
